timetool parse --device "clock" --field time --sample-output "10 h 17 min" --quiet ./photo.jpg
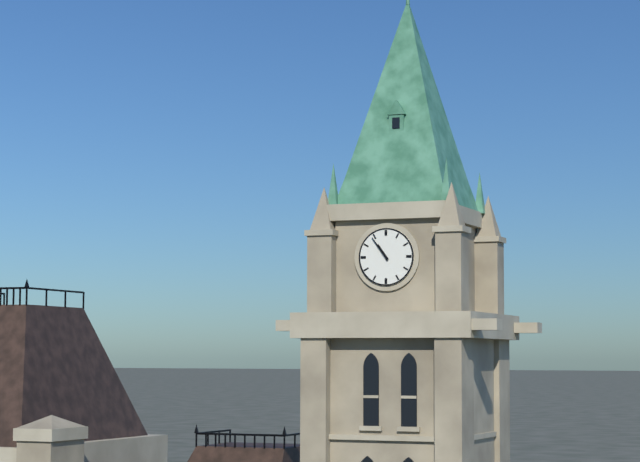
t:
10 h 54 min
